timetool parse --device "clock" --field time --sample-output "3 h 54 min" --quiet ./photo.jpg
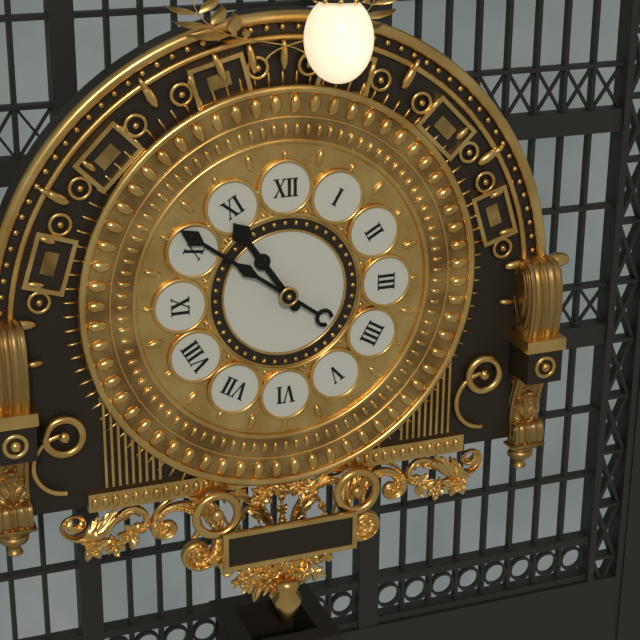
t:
10 h 51 min
